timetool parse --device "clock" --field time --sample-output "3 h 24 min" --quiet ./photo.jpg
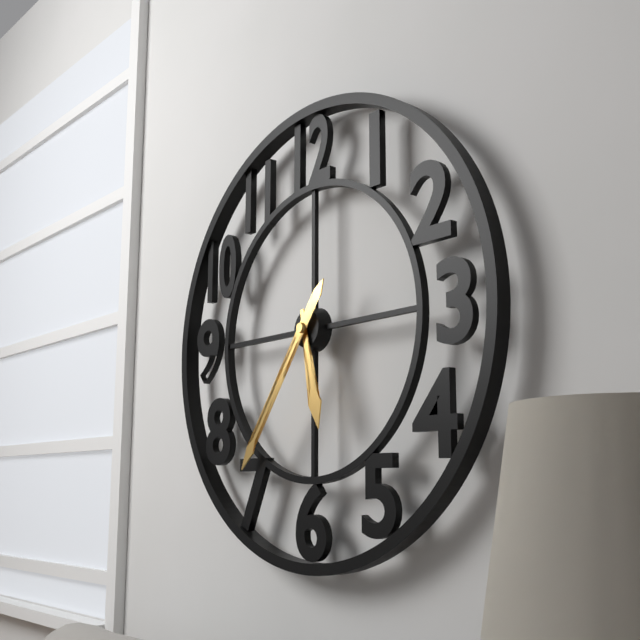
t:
5 h 36 min
